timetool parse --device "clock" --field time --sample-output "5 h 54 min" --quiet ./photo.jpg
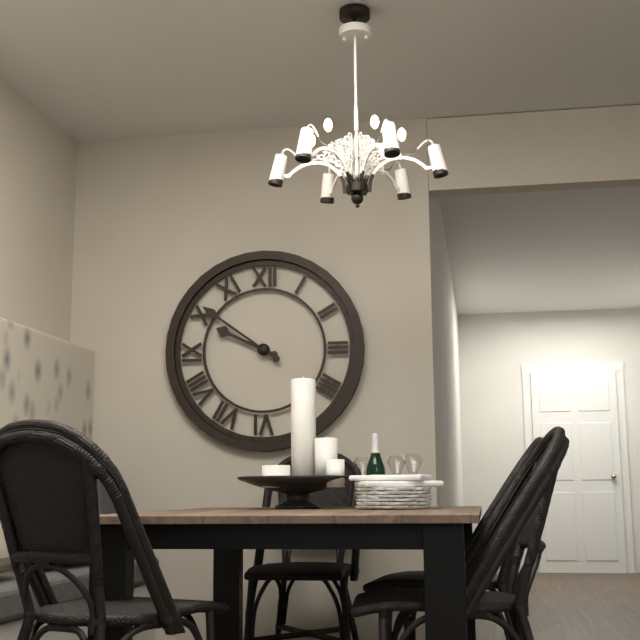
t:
9 h 51 min
